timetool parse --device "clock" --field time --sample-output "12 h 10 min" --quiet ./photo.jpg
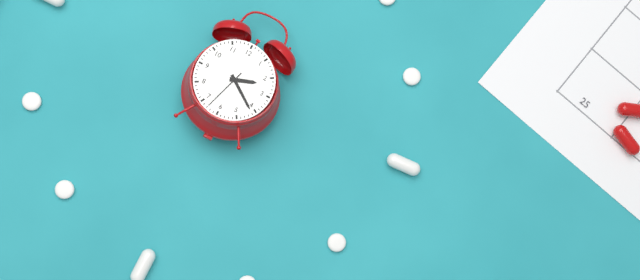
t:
2 h 21 min
